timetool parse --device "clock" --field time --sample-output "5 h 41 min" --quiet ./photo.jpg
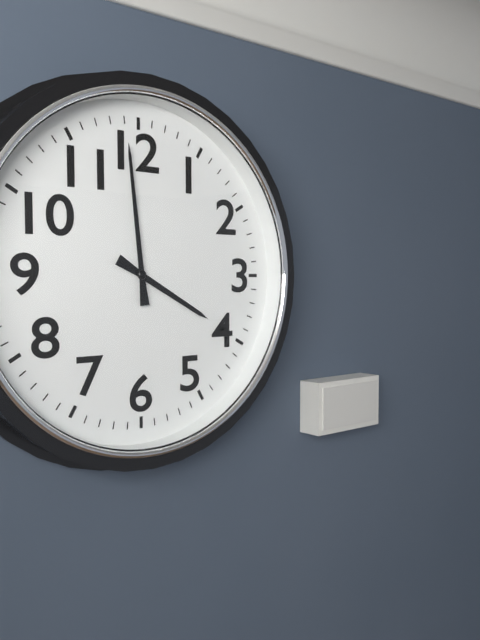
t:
3 h 59 min
